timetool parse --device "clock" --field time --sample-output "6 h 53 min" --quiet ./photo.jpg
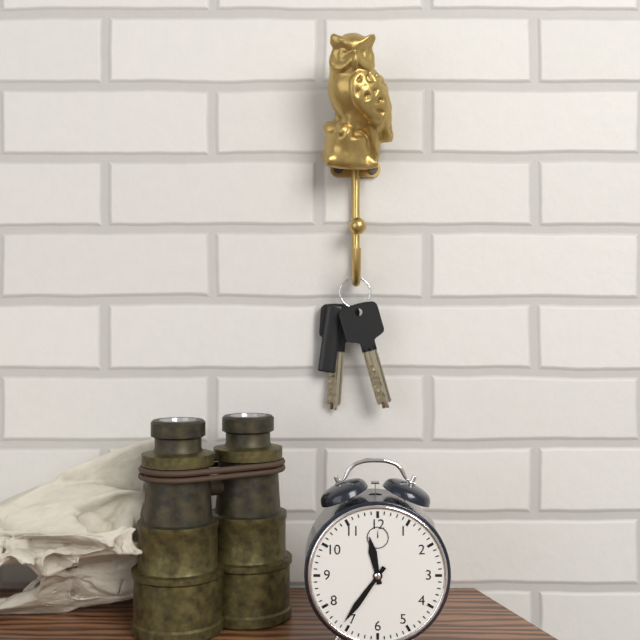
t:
11 h 36 min
